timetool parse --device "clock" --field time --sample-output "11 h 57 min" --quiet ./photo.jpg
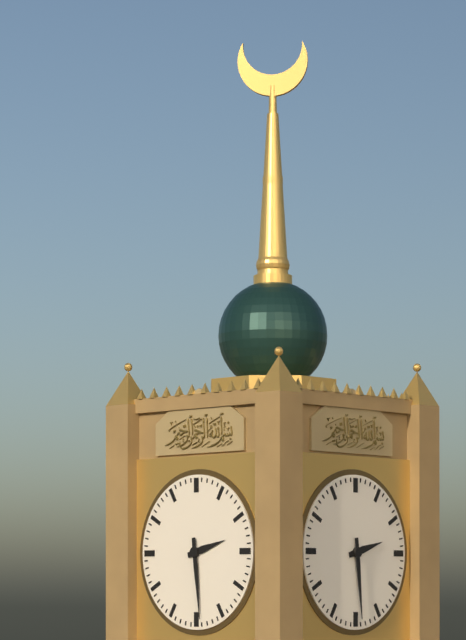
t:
2 h 29 min
